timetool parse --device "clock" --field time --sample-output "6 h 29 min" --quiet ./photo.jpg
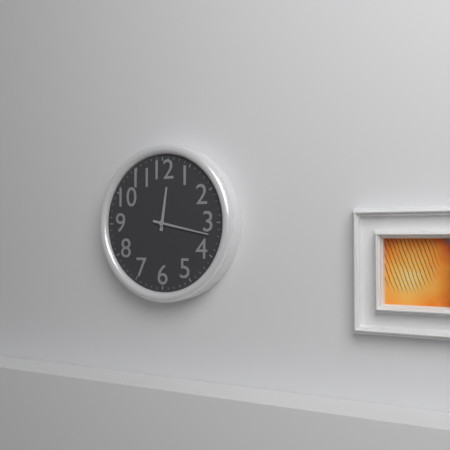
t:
12 h 17 min
